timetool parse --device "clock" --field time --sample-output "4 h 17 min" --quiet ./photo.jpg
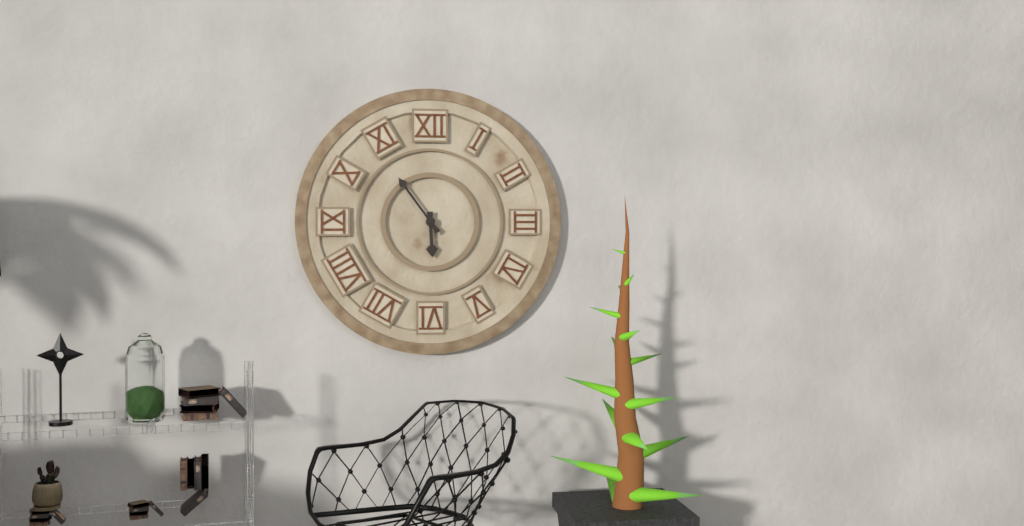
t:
5 h 54 min
